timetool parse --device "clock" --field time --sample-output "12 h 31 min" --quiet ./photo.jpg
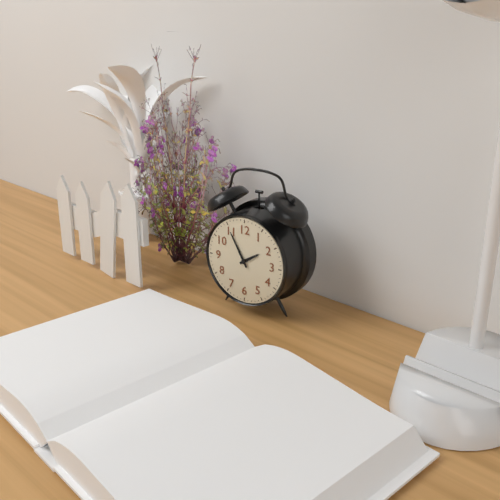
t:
1 h 55 min
